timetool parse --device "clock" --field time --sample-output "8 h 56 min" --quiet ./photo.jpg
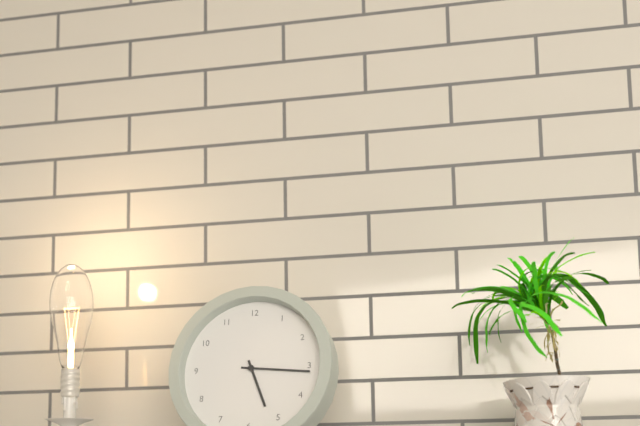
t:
5 h 16 min
